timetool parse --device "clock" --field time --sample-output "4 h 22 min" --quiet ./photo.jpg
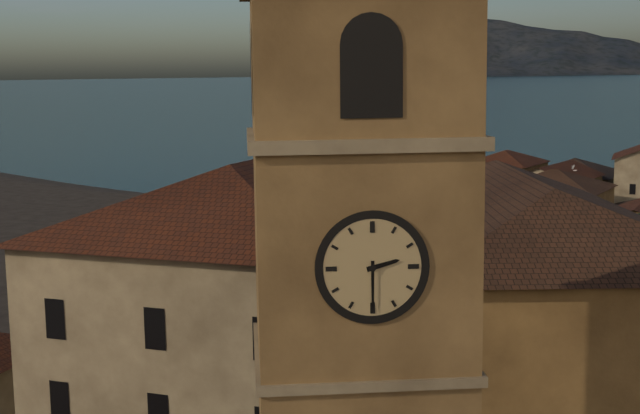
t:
2 h 30 min
